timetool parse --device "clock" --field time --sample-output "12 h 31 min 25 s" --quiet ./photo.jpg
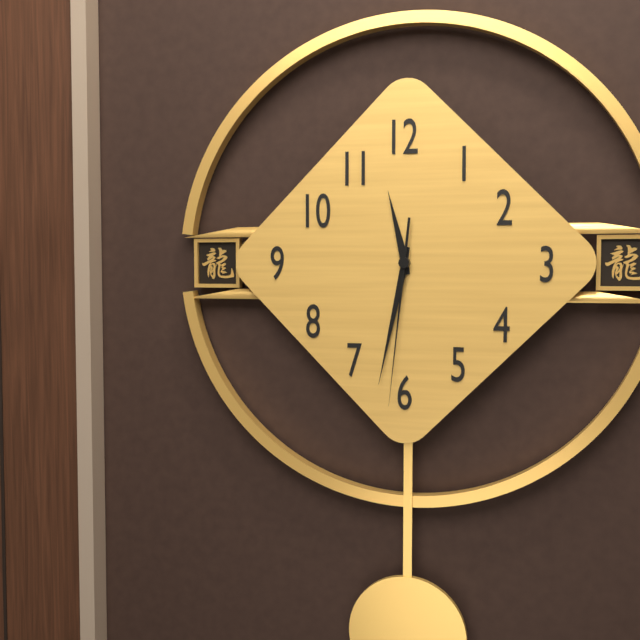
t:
11 h 32 min 31 s
